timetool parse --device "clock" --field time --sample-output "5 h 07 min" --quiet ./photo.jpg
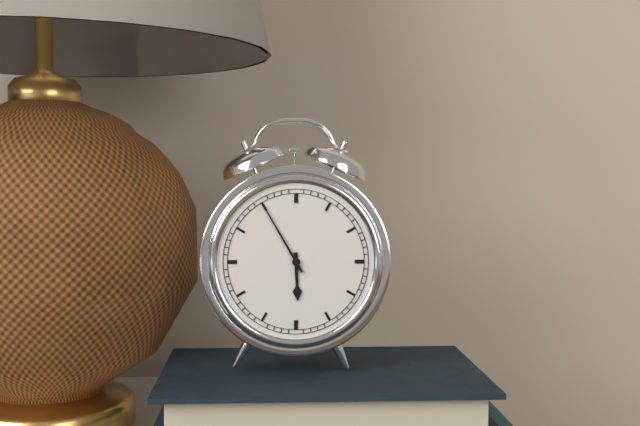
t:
5 h 55 min
